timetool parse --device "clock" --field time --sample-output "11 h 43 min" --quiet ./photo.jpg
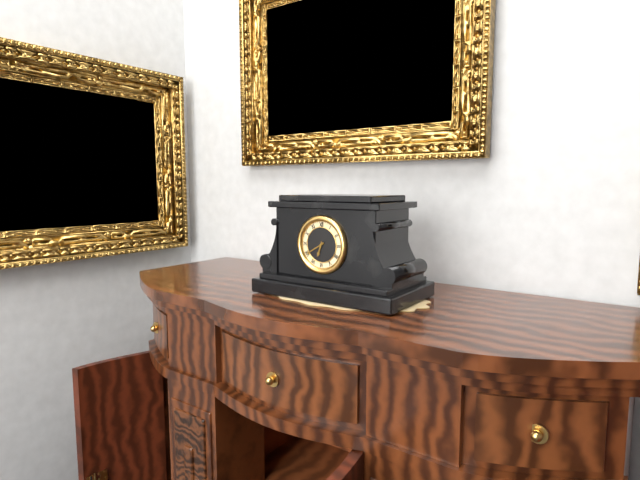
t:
6 h 40 min
